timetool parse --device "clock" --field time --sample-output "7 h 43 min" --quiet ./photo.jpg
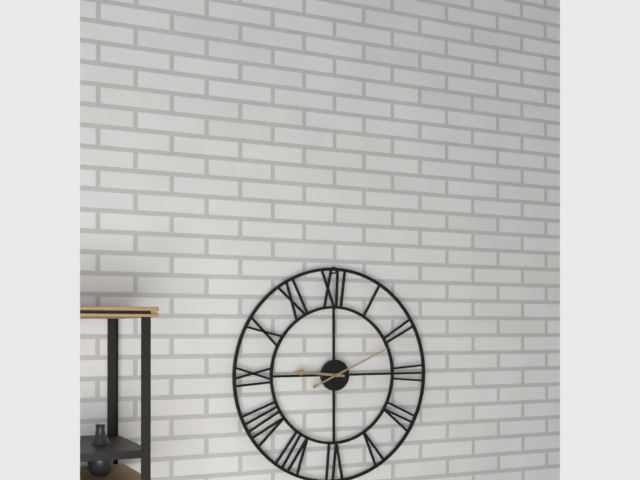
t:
9 h 11 min
